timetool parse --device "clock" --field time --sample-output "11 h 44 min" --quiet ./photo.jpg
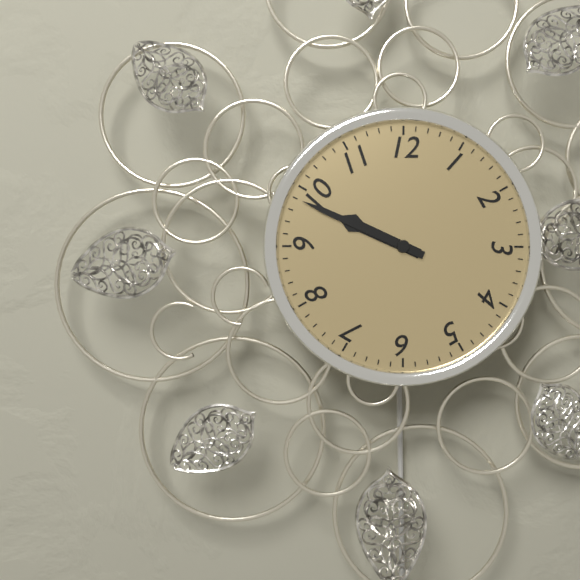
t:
9 h 49 min
